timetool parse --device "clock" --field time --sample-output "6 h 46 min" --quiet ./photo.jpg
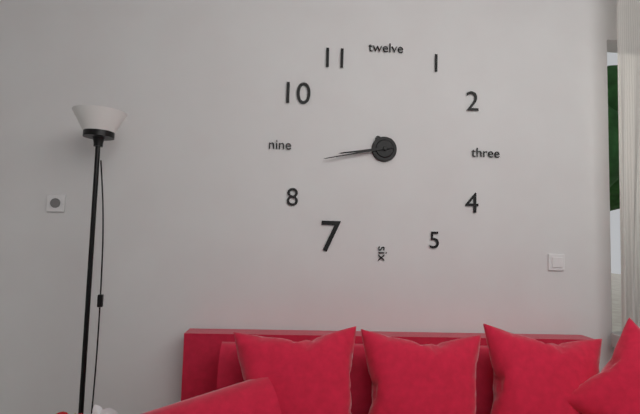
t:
8 h 43 min
